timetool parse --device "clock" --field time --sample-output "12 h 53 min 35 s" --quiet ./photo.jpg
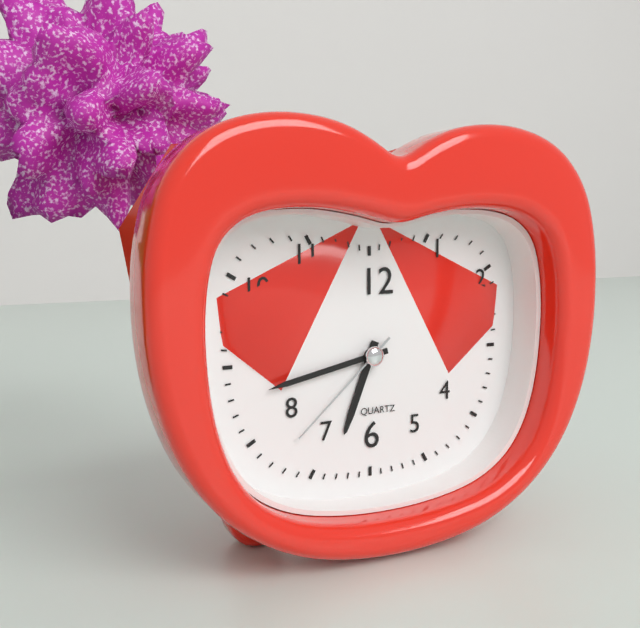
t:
6 h 43 min 38 s
